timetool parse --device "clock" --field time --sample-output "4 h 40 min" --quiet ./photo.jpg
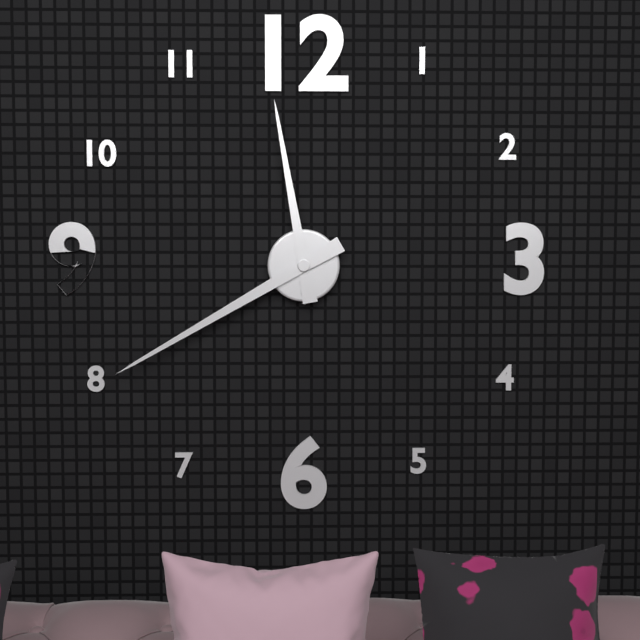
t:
11 h 40 min
